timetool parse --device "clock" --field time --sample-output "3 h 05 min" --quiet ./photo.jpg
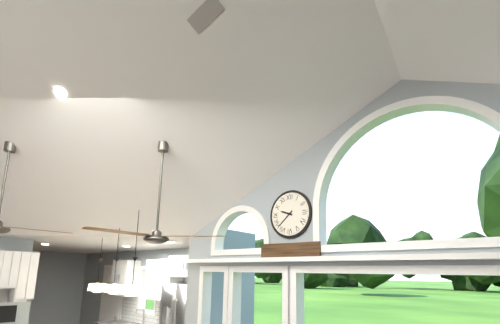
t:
9 h 38 min
